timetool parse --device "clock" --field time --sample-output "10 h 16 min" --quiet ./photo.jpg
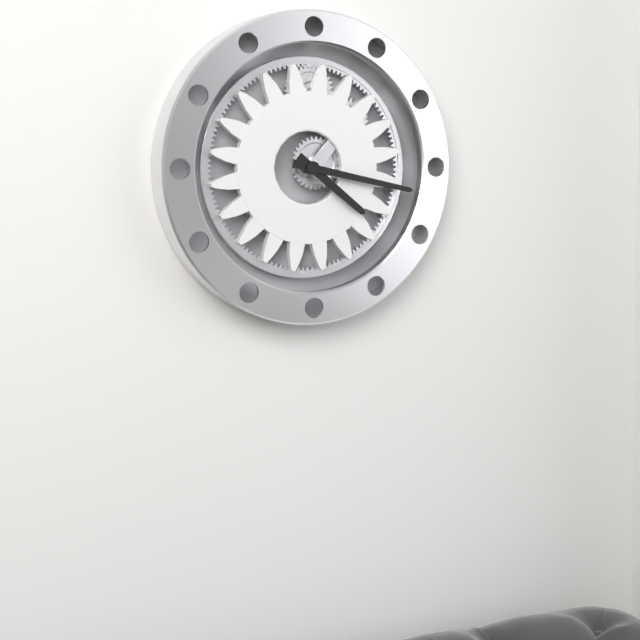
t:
4 h 17 min
